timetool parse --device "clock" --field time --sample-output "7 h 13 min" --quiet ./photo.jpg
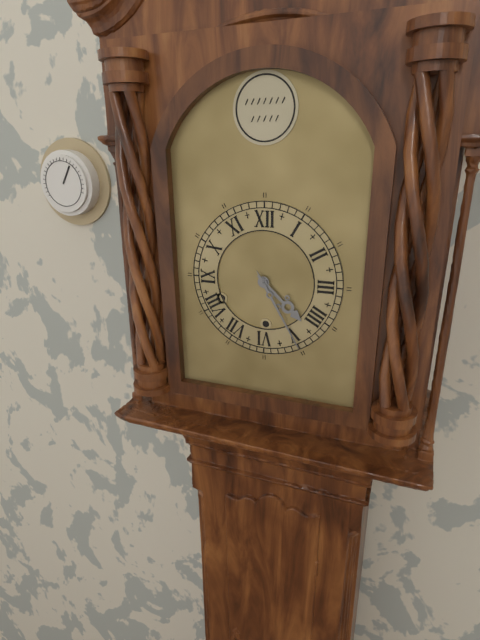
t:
4 h 25 min
